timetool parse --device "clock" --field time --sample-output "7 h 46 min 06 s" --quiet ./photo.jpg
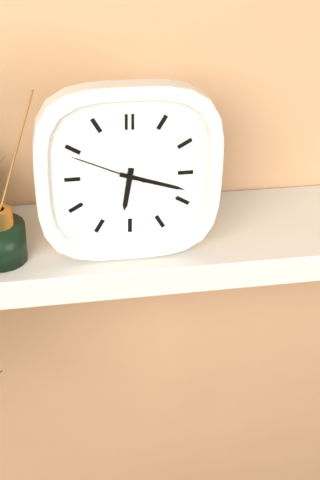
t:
6 h 18 min 49 s
